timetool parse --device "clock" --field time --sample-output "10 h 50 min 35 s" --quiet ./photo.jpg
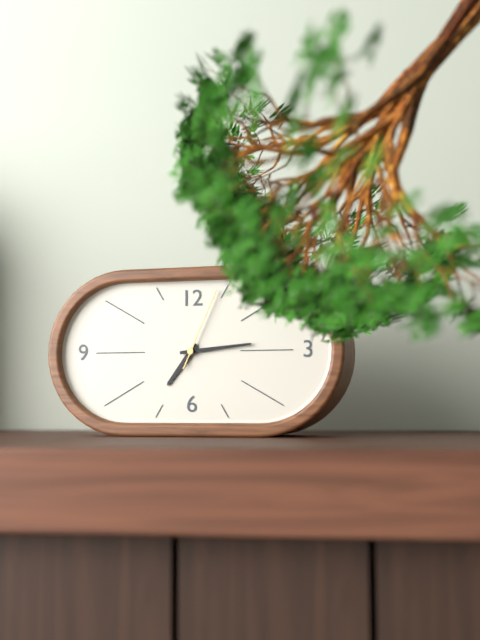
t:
7 h 14 min 04 s
